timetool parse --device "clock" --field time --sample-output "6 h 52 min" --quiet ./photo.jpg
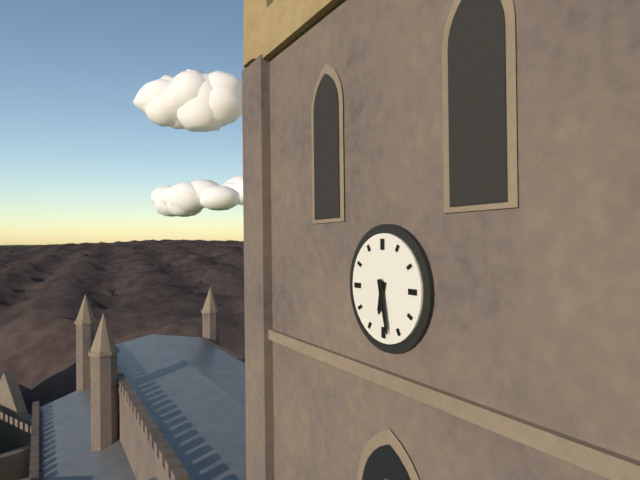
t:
6 h 28 min
